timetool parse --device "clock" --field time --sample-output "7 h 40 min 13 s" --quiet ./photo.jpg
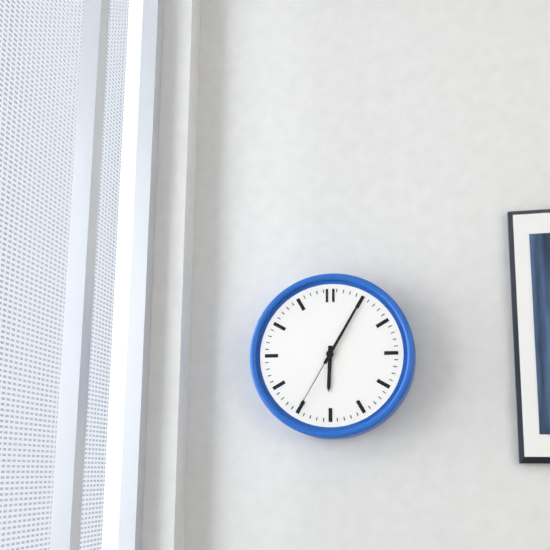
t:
6 h 05 min 35 s
